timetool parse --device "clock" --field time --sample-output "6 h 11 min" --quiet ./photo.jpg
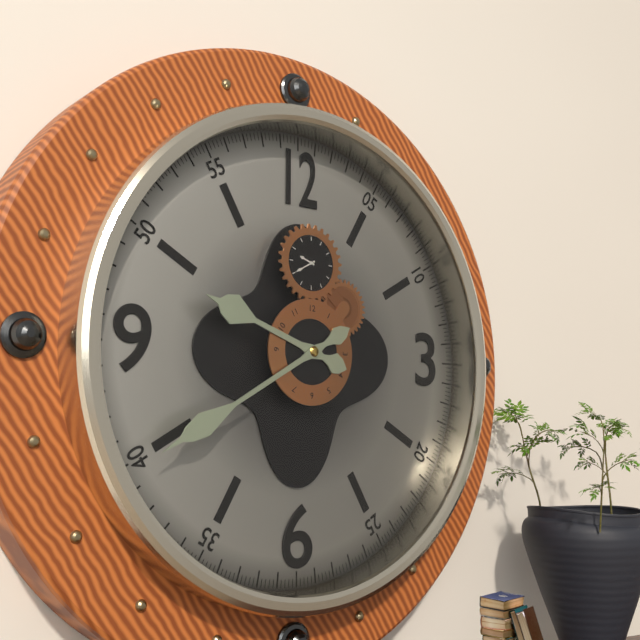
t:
9 h 40 min
